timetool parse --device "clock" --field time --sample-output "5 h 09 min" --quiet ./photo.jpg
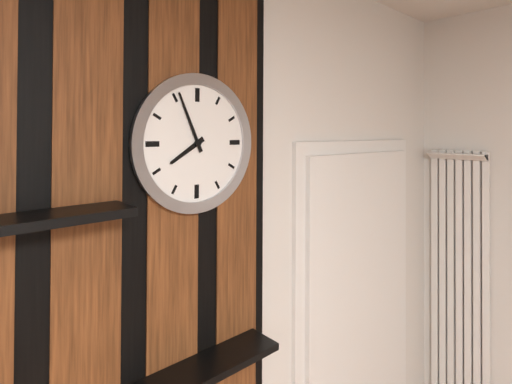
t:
7 h 56 min
